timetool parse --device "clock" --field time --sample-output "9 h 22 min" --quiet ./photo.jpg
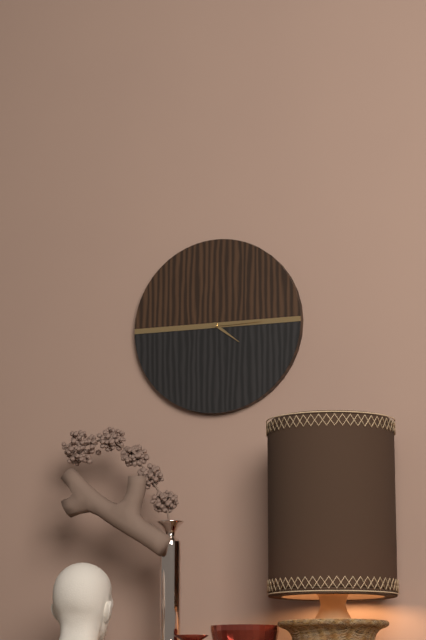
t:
4 h 15 min
